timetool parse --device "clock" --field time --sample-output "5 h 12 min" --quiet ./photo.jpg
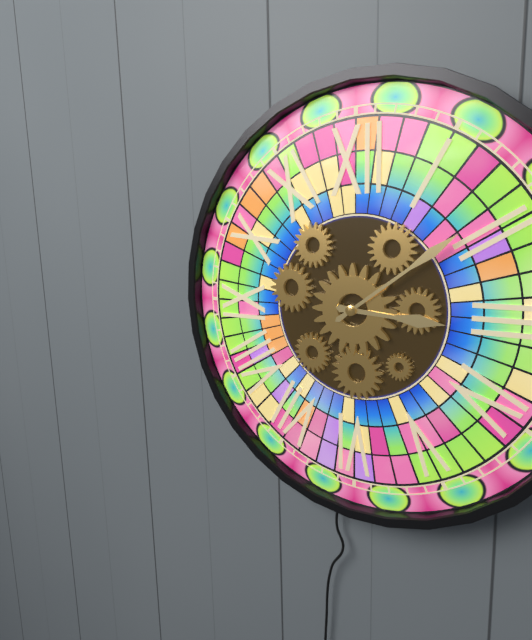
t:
3 h 09 min
